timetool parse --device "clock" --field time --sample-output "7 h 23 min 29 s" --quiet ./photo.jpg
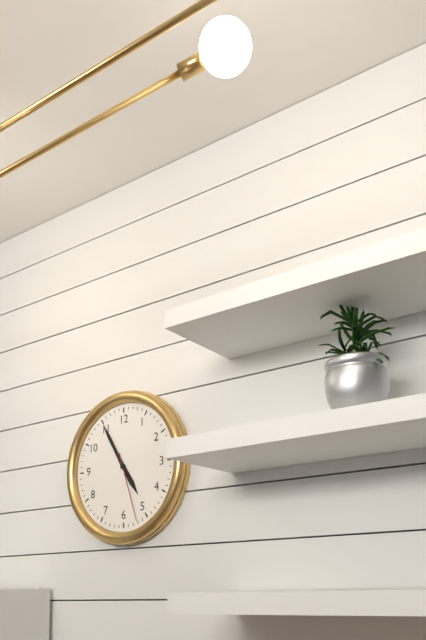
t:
4 h 55 min 27 s
